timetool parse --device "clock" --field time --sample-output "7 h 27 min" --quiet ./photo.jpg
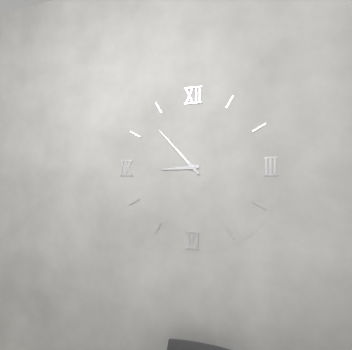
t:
8 h 53 min
